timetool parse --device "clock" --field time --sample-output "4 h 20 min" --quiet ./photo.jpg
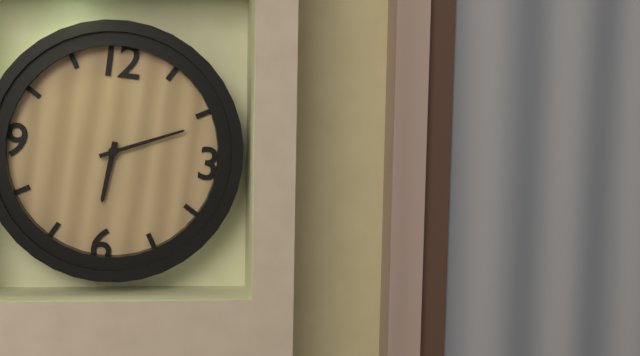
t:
6 h 11 min
